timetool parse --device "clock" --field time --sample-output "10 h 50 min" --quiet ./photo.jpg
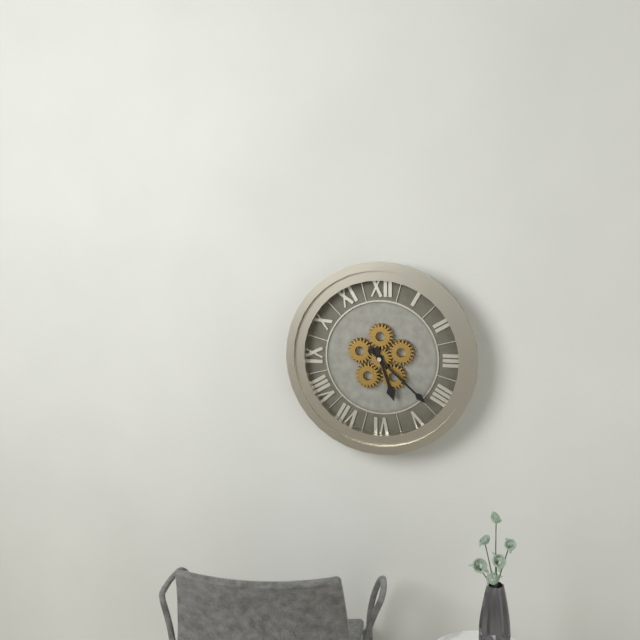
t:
5 h 22 min
